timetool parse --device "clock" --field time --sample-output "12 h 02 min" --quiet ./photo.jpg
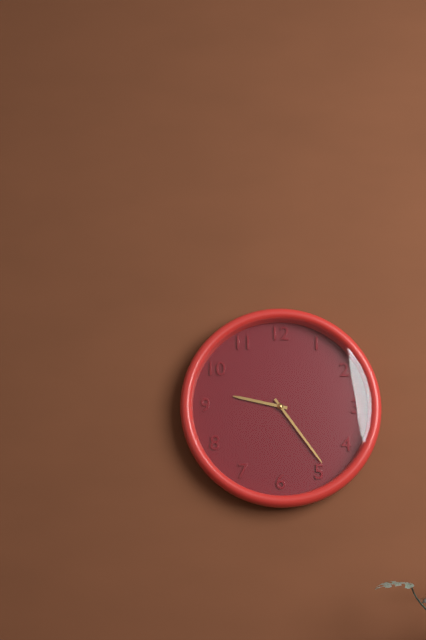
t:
9 h 24 min
